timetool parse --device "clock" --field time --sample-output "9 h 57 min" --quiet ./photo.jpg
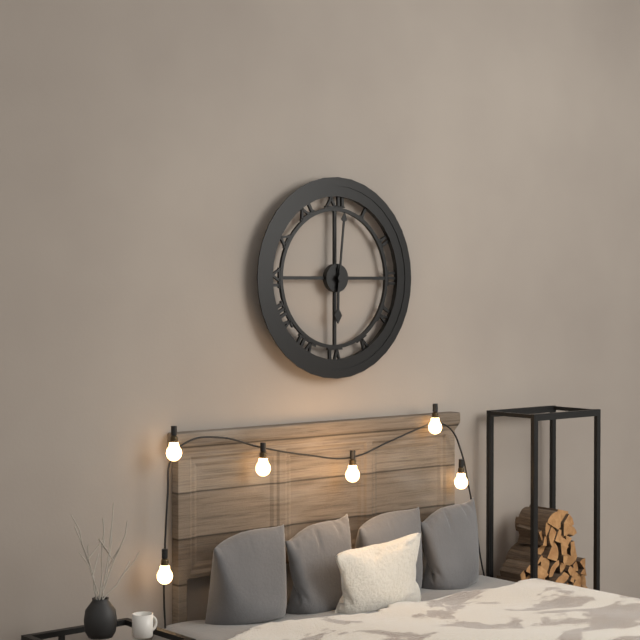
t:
6 h 01 min
